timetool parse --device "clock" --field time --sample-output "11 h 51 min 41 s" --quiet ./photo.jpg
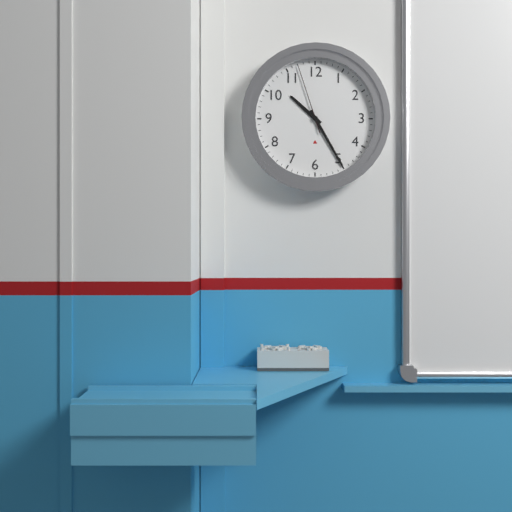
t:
10 h 25 min 57 s
